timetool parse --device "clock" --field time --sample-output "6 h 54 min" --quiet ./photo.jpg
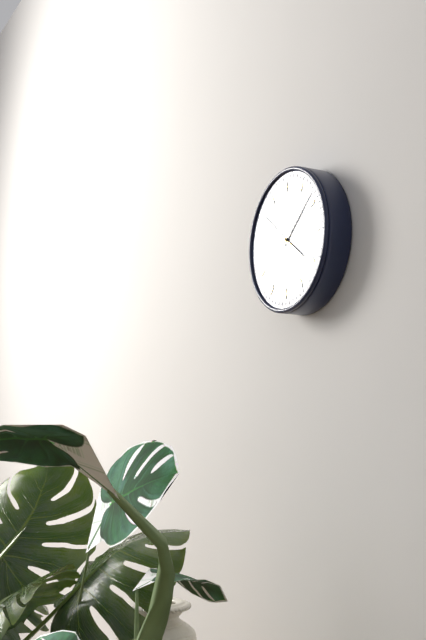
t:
4 h 08 min
